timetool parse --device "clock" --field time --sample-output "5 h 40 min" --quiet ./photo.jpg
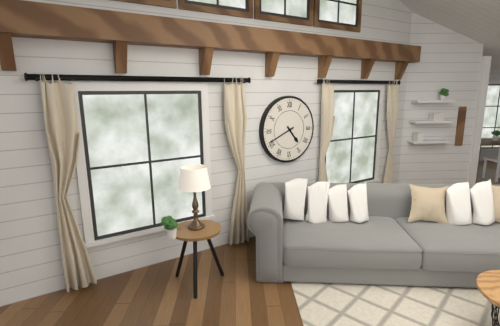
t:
4 h 41 min
